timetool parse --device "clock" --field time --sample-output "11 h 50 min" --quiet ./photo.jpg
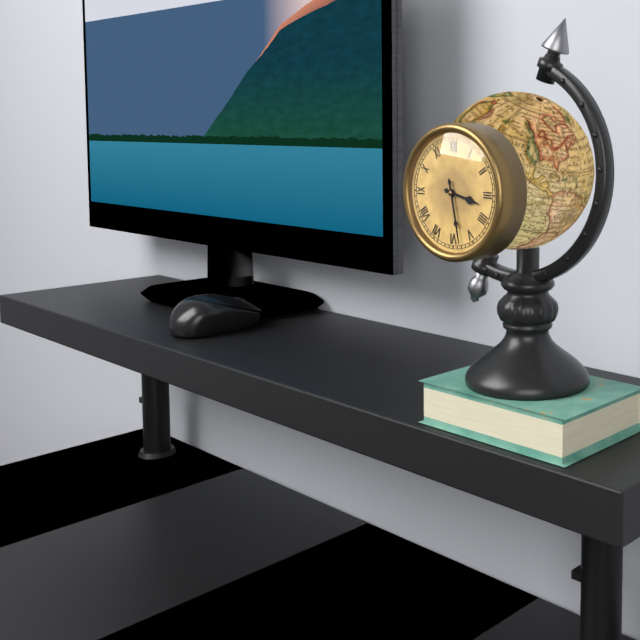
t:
3 h 28 min
